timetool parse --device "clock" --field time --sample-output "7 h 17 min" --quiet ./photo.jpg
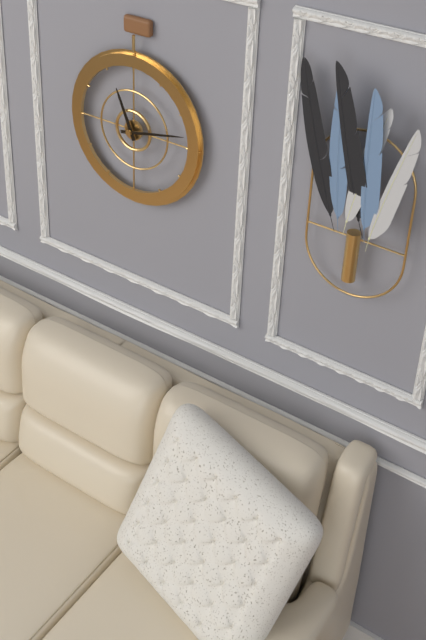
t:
11 h 13 min
